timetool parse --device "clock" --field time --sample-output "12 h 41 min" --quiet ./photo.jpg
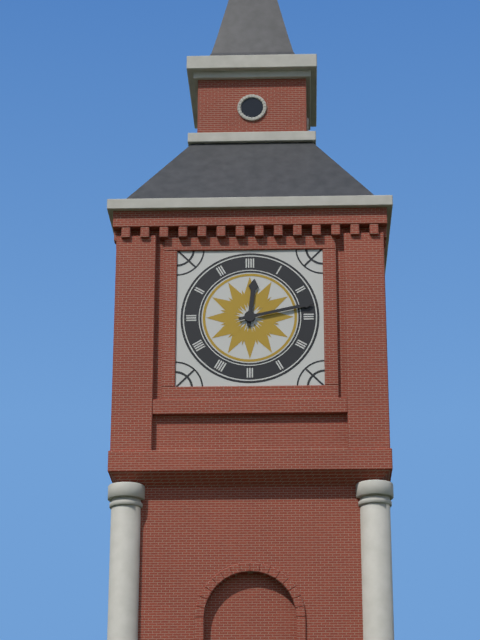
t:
12 h 13 min
